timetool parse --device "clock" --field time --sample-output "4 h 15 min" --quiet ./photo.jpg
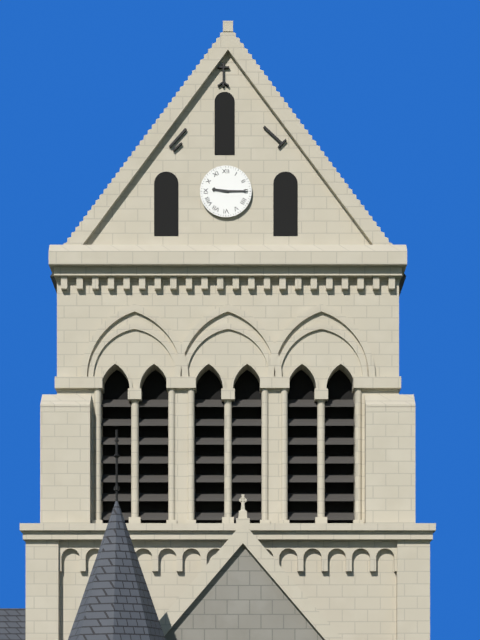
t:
9 h 15 min
